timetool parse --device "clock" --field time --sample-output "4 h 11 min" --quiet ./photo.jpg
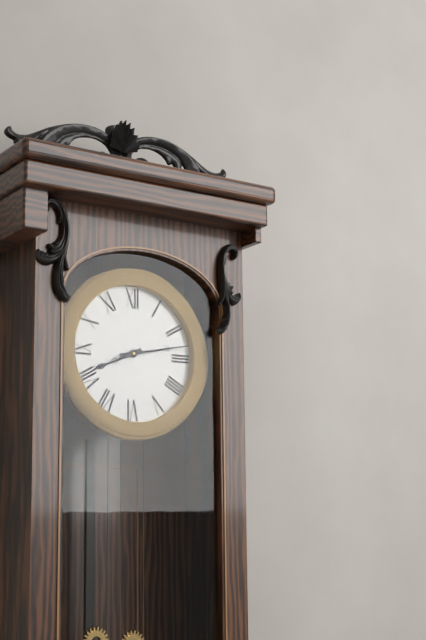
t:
8 h 13 min
